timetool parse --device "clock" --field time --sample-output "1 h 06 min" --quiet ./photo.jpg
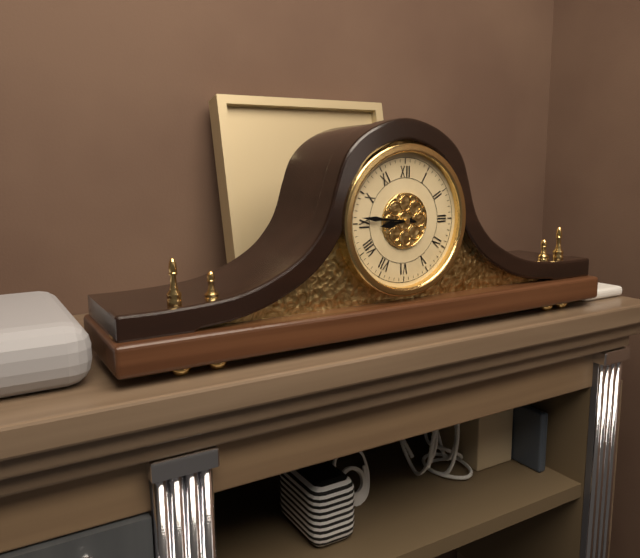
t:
8 h 46 min
